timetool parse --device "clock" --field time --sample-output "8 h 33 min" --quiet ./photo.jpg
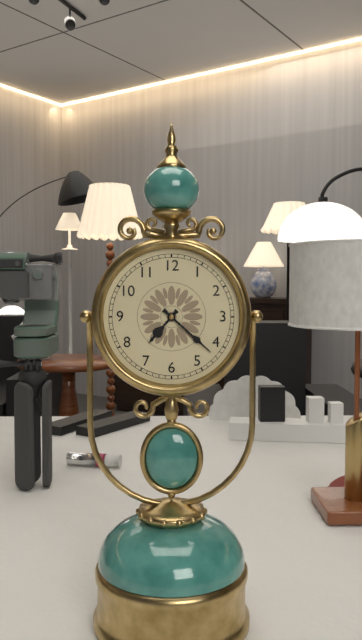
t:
7 h 22 min
